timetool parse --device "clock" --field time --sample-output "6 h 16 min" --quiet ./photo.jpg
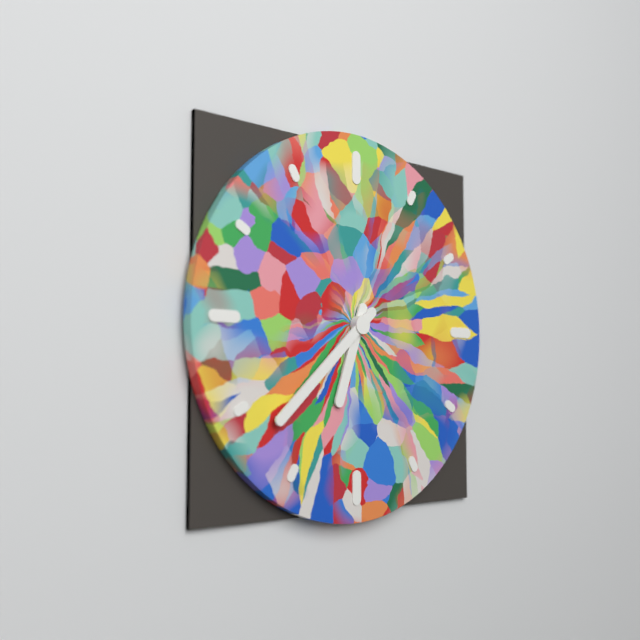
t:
6 h 38 min
